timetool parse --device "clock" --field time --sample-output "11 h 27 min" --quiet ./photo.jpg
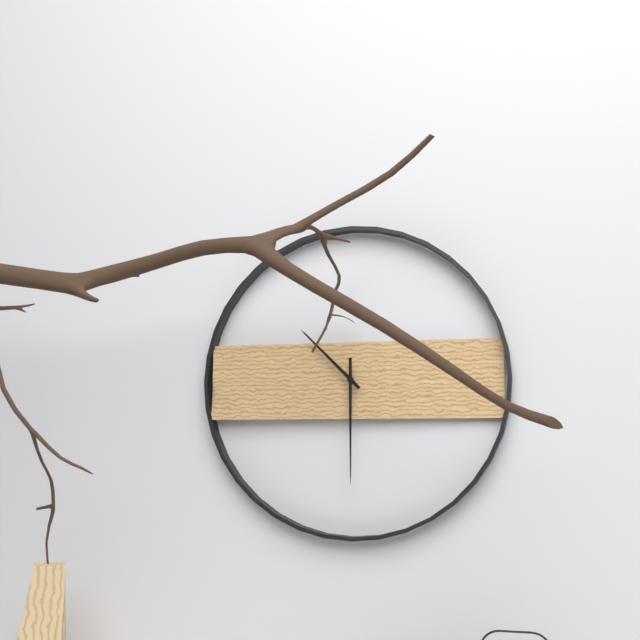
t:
10 h 30 min
